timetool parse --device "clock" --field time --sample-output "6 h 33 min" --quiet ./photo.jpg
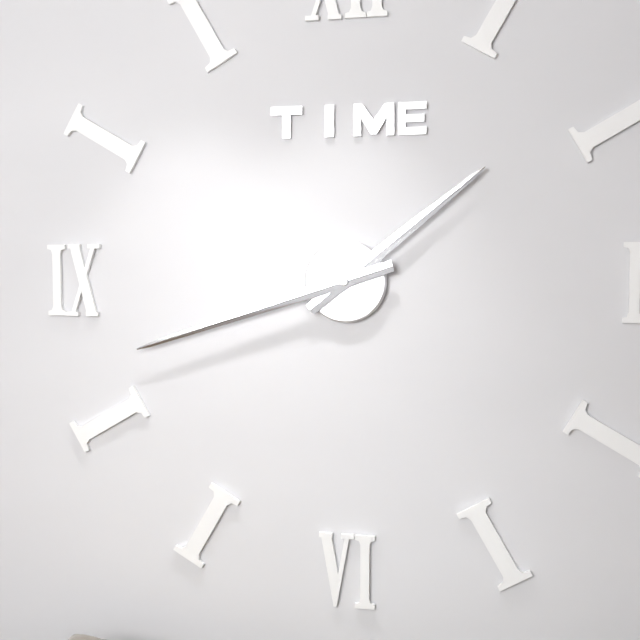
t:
1 h 42 min
